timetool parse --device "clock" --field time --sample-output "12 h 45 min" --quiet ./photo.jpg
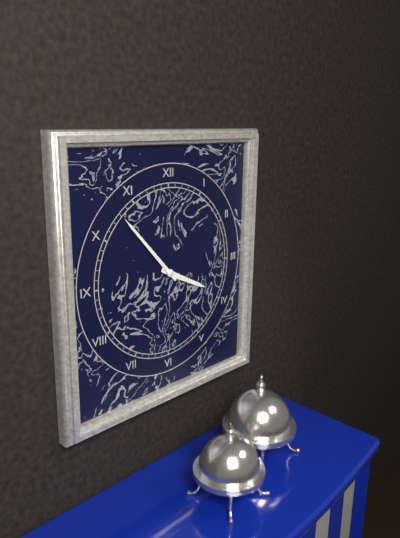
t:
3 h 53 min
